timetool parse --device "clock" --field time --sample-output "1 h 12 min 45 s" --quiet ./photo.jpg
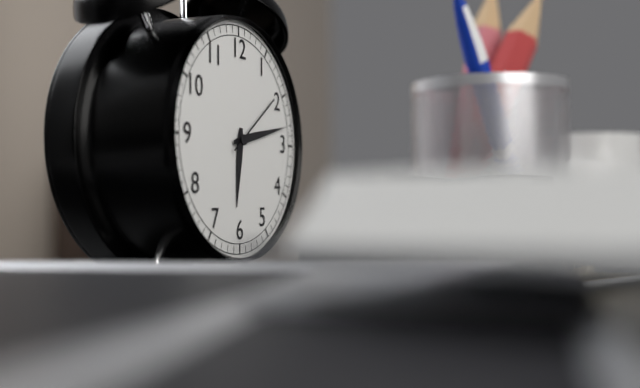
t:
6 h 13 min 09 s
